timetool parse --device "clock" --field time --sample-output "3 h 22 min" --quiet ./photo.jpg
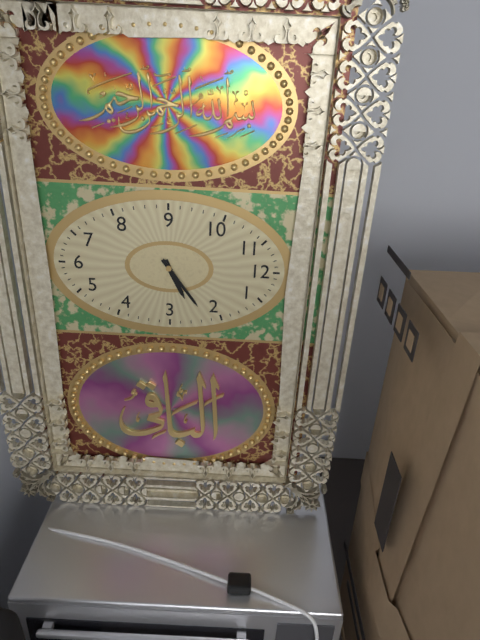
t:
2 h 09 min
